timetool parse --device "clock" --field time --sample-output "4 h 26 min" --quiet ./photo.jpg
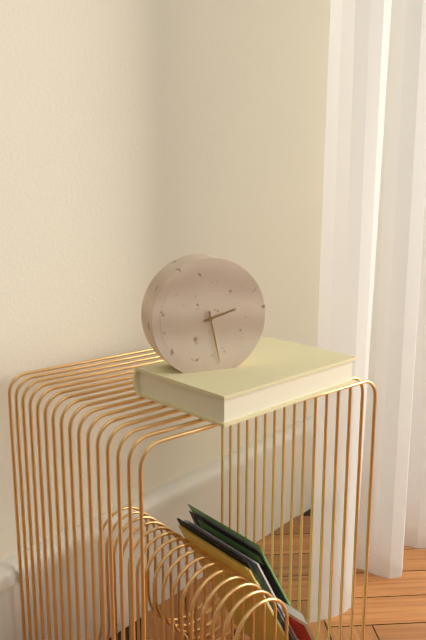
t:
2 h 28 min
